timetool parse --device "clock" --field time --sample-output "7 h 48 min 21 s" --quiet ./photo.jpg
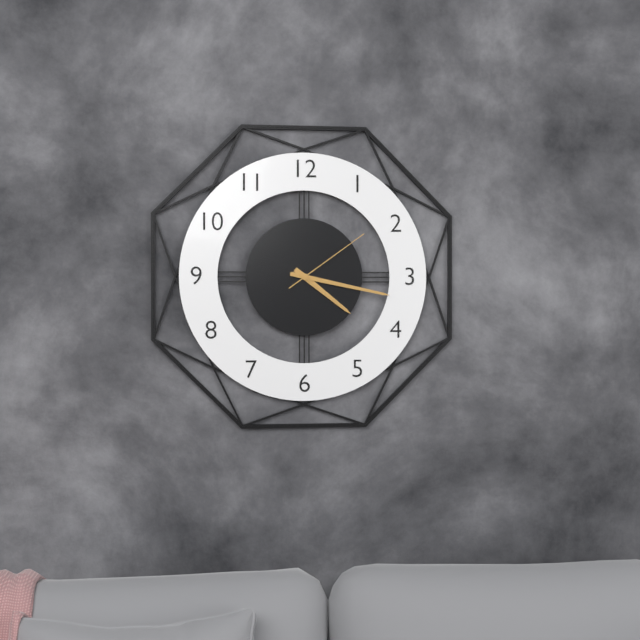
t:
4 h 17 min 09 s
